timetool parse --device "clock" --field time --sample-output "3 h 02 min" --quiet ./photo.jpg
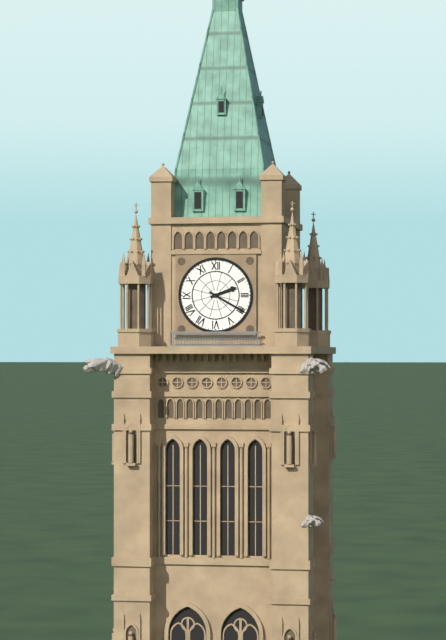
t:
2 h 20 min
